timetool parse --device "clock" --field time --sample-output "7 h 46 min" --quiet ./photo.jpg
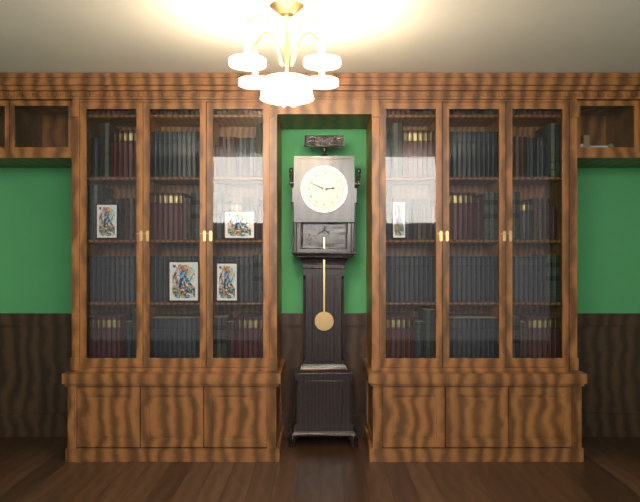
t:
2 h 49 min
